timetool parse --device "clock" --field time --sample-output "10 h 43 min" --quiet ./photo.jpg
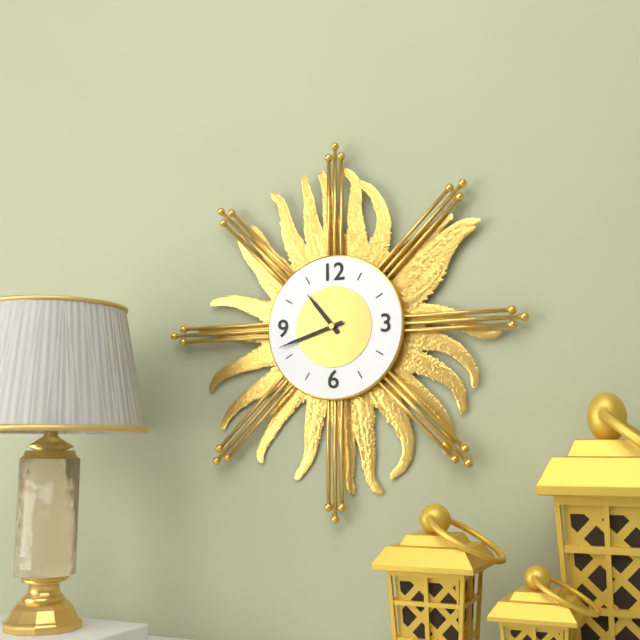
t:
10 h 42 min
